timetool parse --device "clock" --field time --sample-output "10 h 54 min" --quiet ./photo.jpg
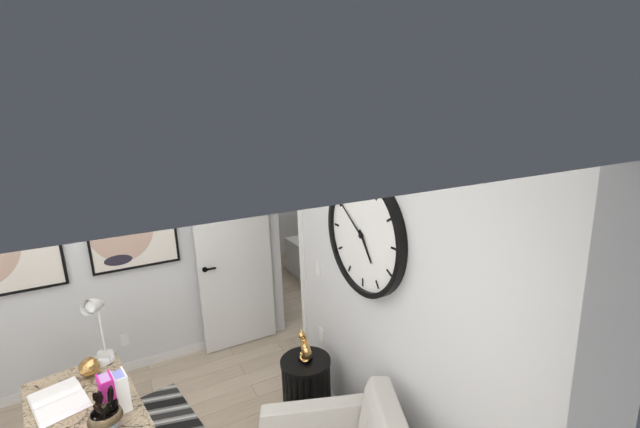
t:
4 h 51 min
